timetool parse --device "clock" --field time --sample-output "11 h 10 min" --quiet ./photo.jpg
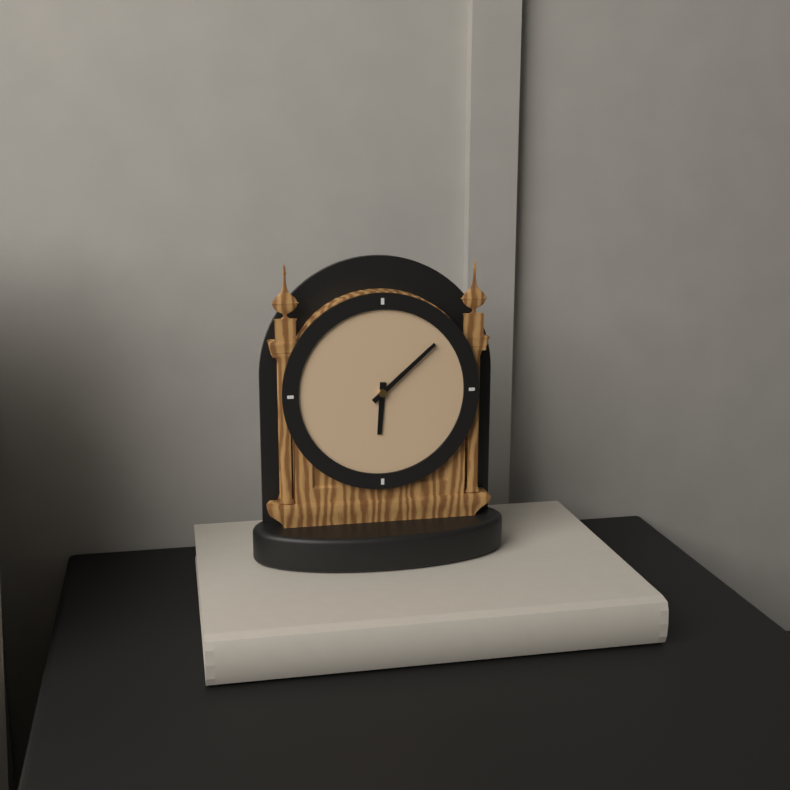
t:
6 h 08 min
